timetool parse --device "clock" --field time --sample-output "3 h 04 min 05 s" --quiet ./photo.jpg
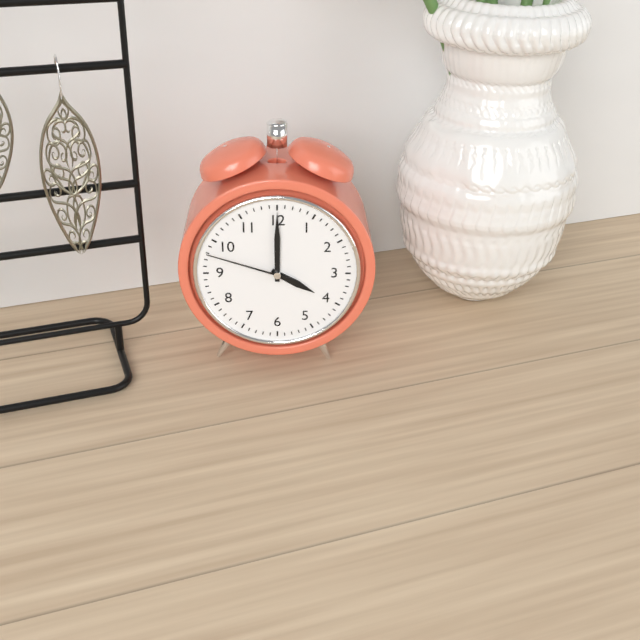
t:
4 h 00 min 48 s
